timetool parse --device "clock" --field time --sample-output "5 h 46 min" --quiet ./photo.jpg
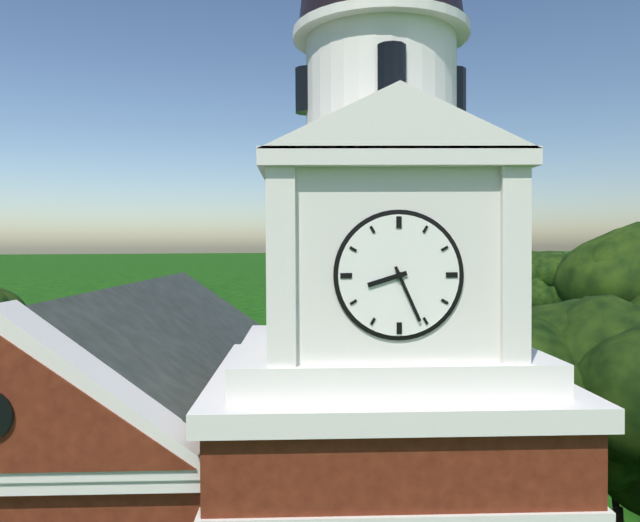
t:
8 h 26 min
